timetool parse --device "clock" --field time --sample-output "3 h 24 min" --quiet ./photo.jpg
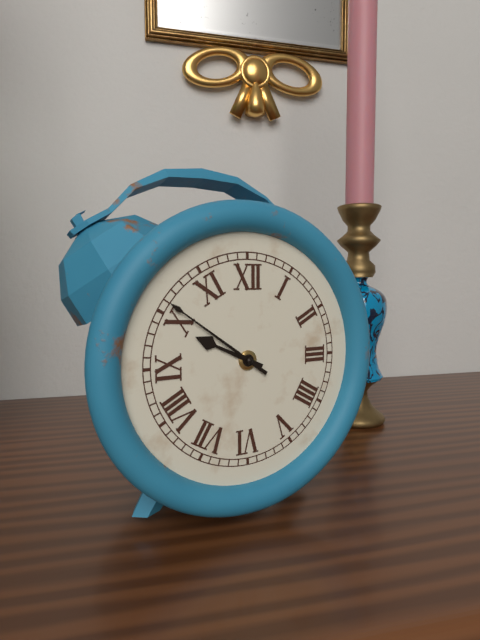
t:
9 h 51 min
